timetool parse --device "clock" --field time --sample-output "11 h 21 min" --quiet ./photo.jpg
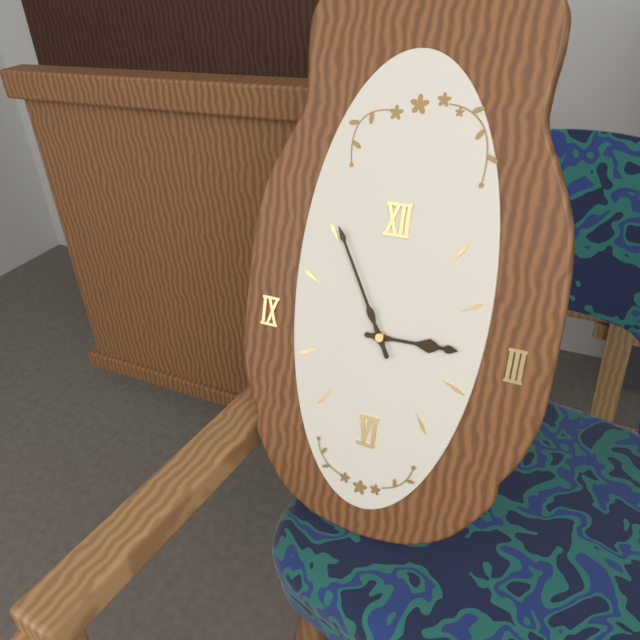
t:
2 h 55 min
